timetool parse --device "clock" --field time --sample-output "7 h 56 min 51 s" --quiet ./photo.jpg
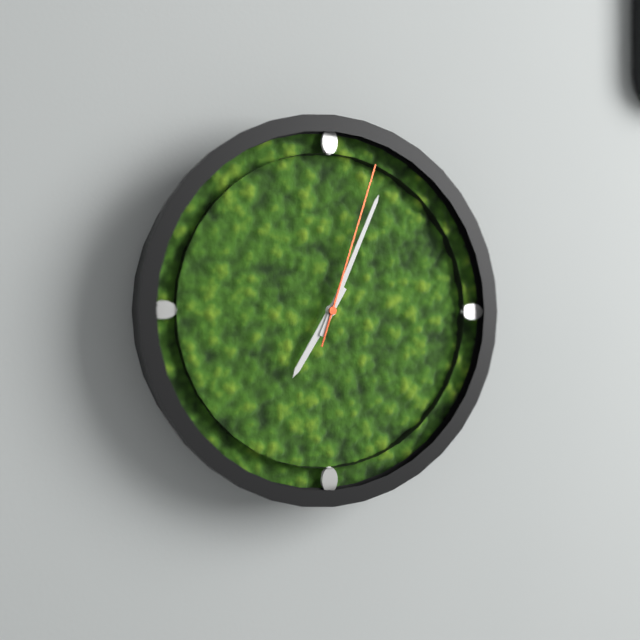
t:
7 h 04 min 03 s
